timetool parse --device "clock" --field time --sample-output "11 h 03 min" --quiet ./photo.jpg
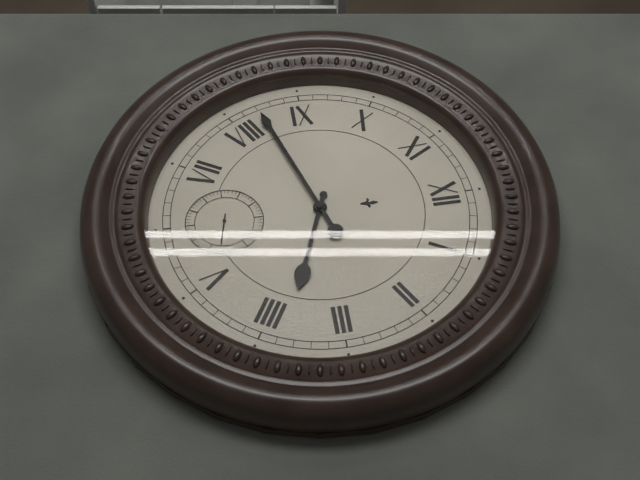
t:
3 h 42 min
